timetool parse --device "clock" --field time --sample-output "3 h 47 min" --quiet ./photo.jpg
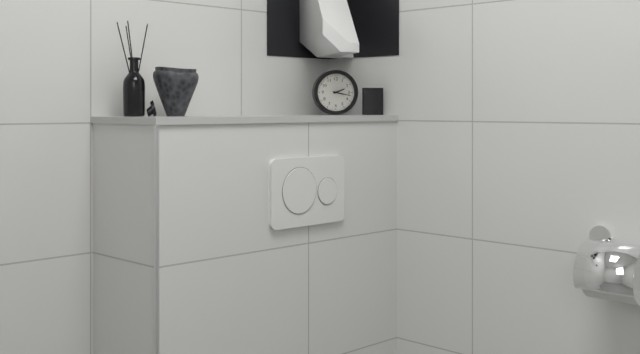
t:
2 h 17 min
